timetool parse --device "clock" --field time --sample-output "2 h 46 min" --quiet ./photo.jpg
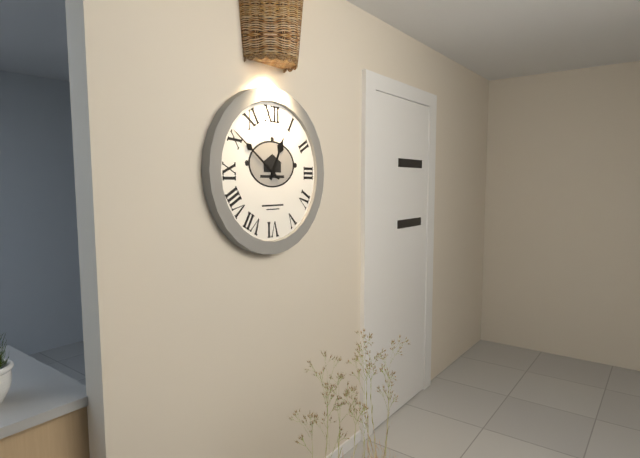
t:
12 h 51 min
